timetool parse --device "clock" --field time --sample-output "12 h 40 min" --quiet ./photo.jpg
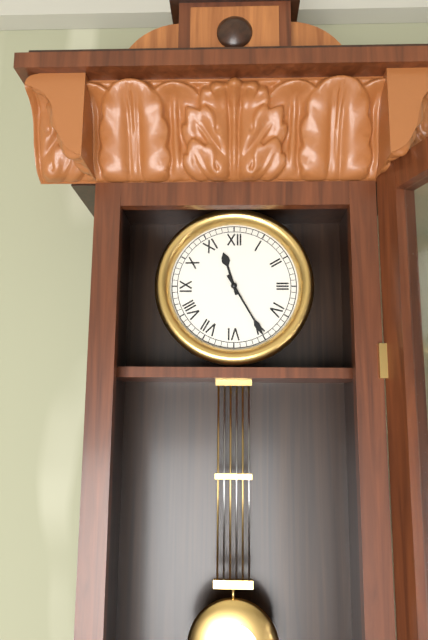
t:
11 h 25 min
